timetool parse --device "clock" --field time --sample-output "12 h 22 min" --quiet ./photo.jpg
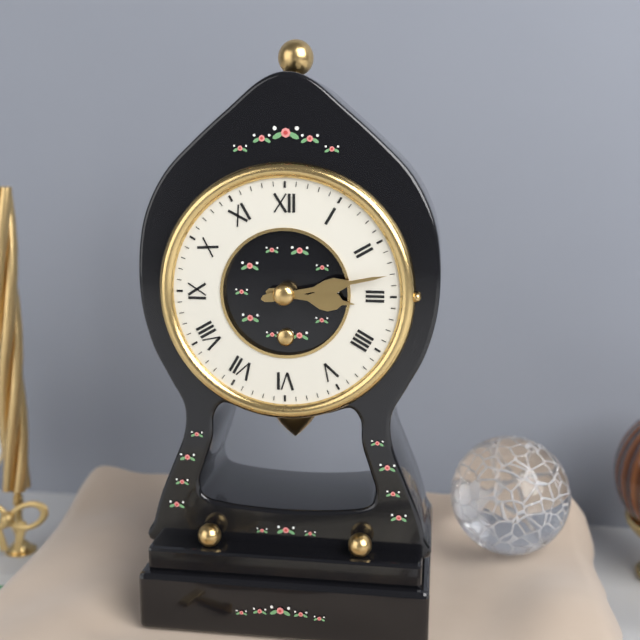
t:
3 h 13 min
